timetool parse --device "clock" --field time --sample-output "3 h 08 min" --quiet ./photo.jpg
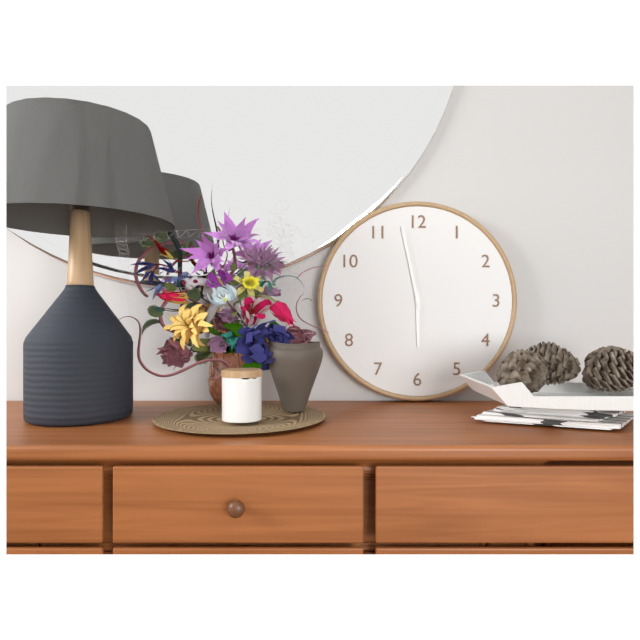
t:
5 h 58 min
